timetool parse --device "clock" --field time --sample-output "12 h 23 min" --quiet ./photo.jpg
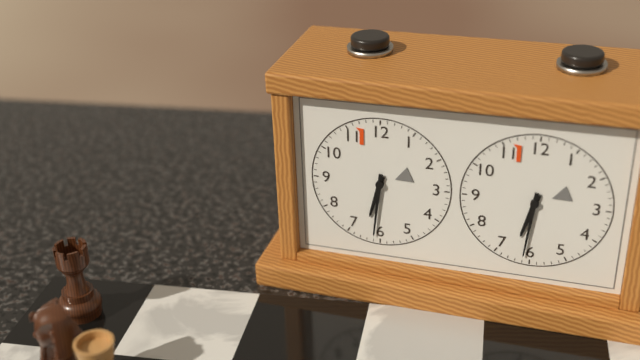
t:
6 h 31 min
